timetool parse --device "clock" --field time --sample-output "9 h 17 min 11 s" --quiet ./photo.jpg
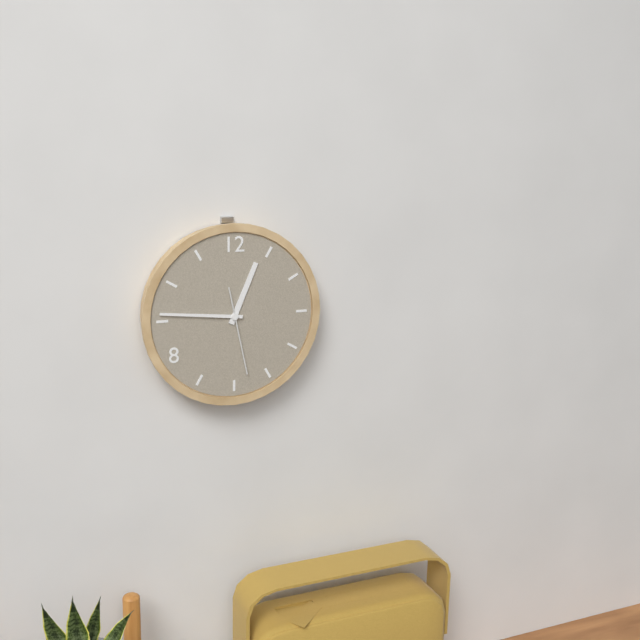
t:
12 h 46 min 28 s
